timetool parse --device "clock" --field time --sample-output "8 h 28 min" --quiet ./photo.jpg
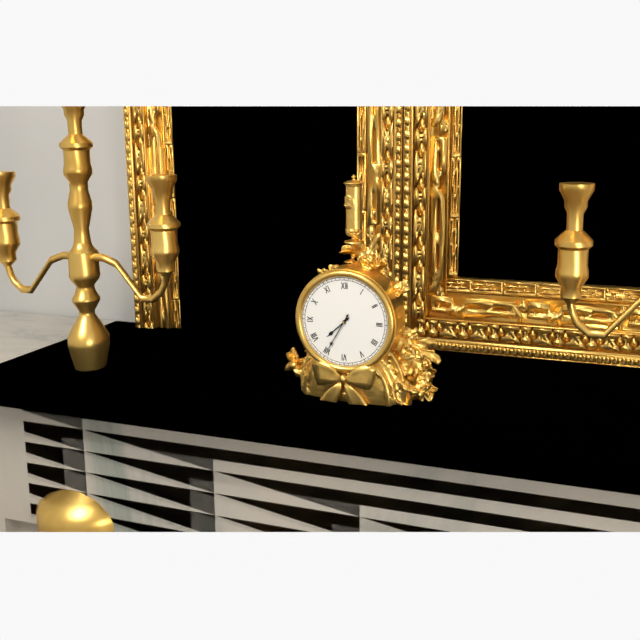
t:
7 h 35 min
